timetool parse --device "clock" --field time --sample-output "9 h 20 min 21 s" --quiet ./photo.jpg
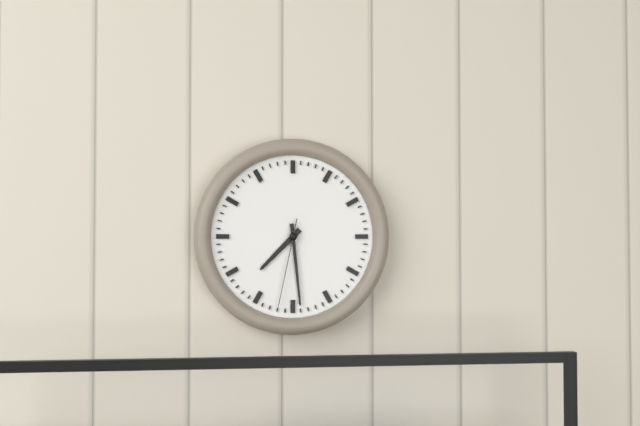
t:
7 h 29 min 32 s
